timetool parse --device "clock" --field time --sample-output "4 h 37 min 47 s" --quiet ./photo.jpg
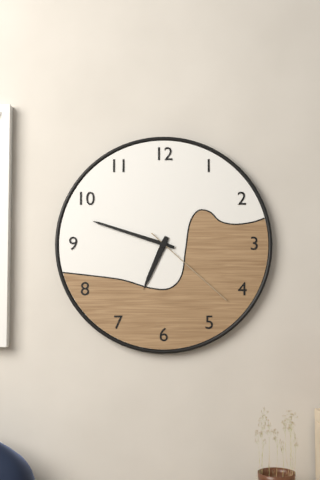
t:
6 h 48 min 22 s
